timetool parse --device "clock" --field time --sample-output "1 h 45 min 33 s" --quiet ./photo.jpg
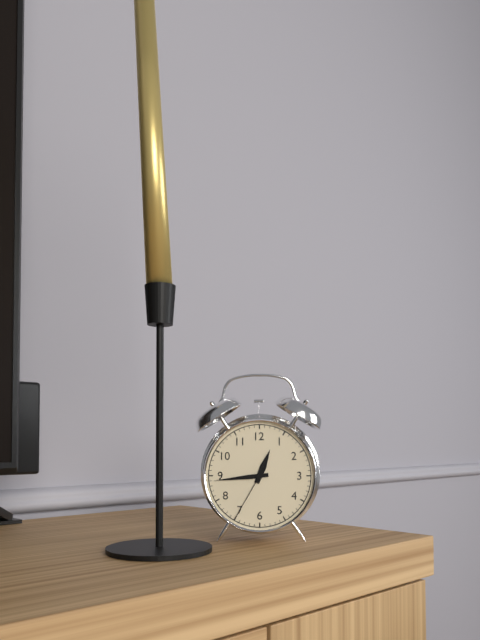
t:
12 h 44 min 35 s
